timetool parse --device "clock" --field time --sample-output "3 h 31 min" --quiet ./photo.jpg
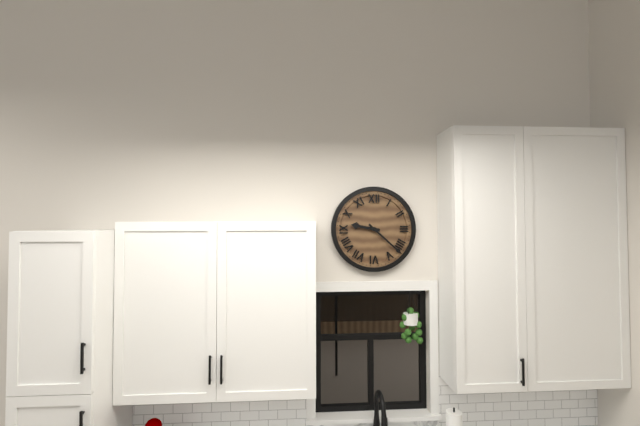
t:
9 h 22 min
